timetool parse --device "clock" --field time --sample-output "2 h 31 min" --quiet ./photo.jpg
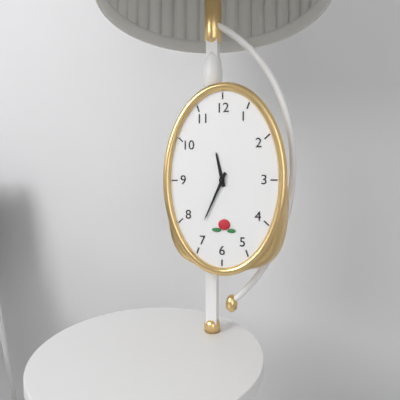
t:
11 h 34 min
